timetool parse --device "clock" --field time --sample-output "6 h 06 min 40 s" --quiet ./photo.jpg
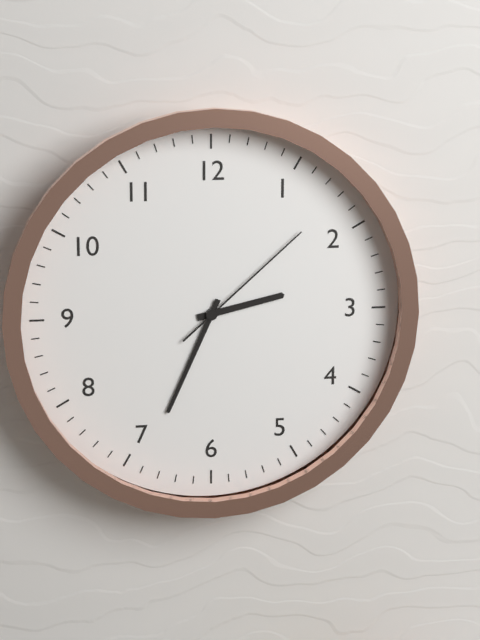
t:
2 h 34 min 08 s
